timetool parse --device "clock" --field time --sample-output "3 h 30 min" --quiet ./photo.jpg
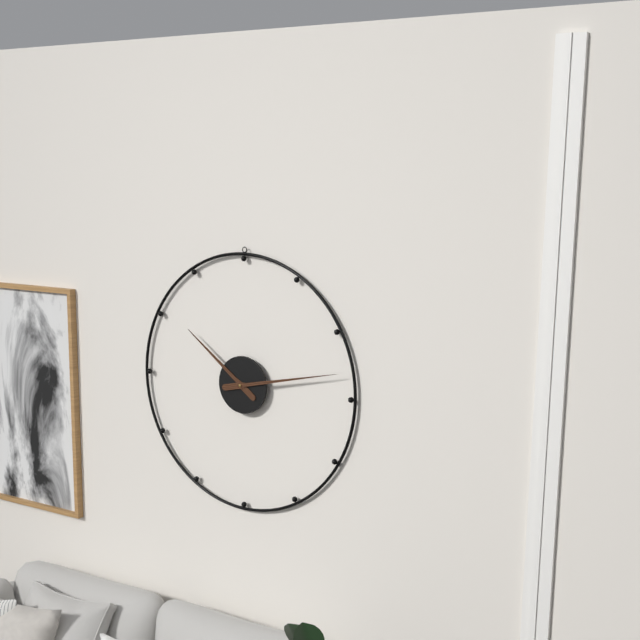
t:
10 h 13 min
